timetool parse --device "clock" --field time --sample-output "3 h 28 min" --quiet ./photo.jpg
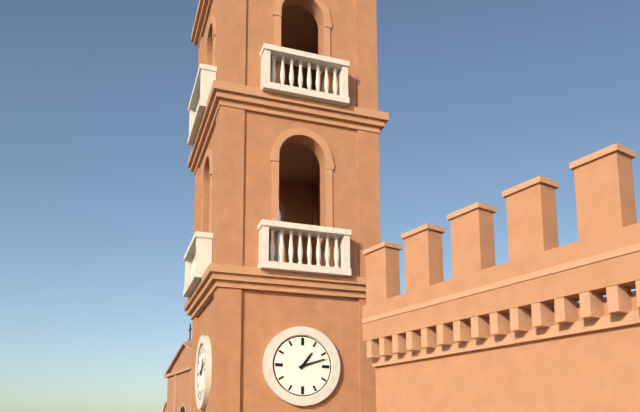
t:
1 h 12 min
